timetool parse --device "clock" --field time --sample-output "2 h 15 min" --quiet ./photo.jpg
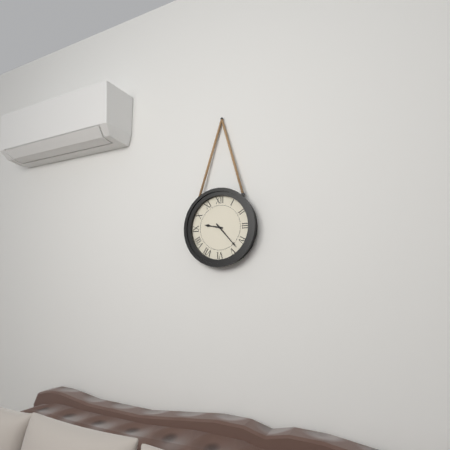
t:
9 h 23 min
